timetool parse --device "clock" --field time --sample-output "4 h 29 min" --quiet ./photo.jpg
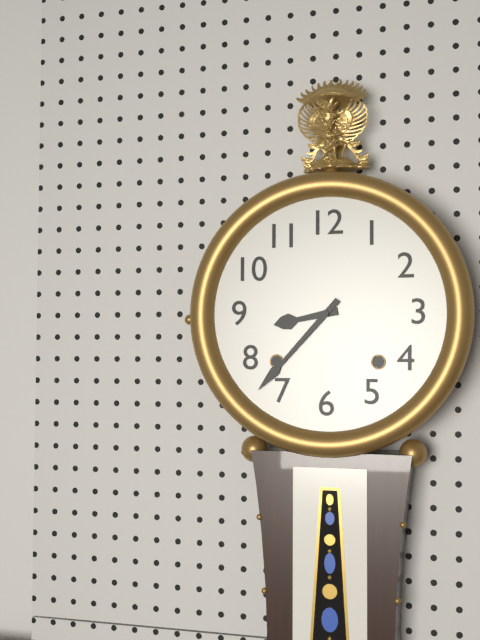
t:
8 h 37 min
